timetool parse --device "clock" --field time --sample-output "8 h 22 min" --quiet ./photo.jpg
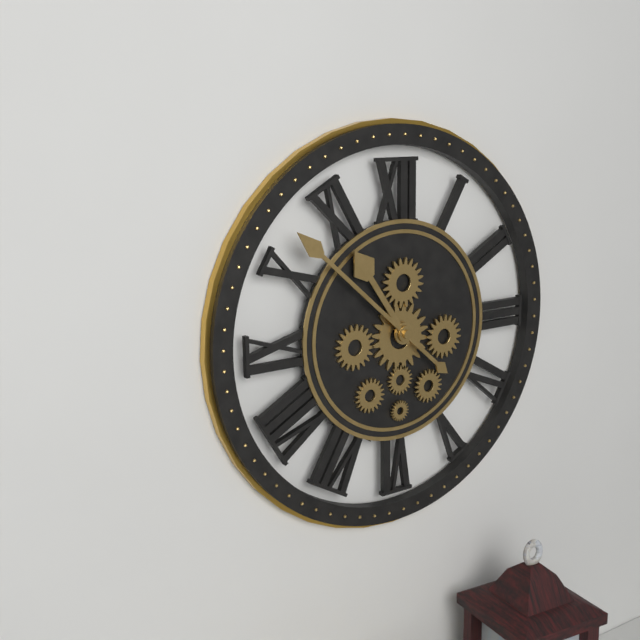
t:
10 h 52 min
